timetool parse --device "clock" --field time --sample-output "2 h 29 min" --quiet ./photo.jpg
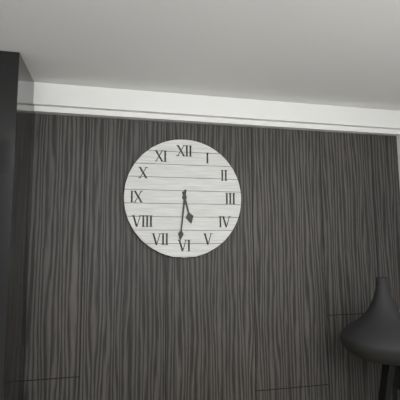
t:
5 h 31 min
